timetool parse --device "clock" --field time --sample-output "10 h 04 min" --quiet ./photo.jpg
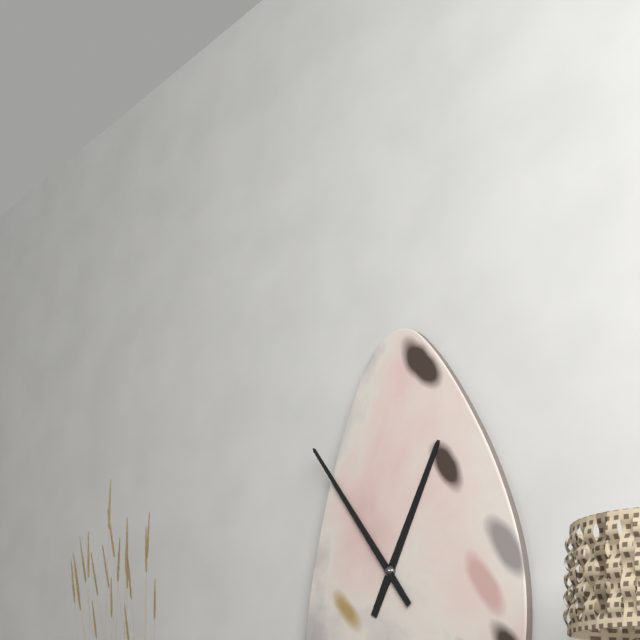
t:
12 h 54 min
